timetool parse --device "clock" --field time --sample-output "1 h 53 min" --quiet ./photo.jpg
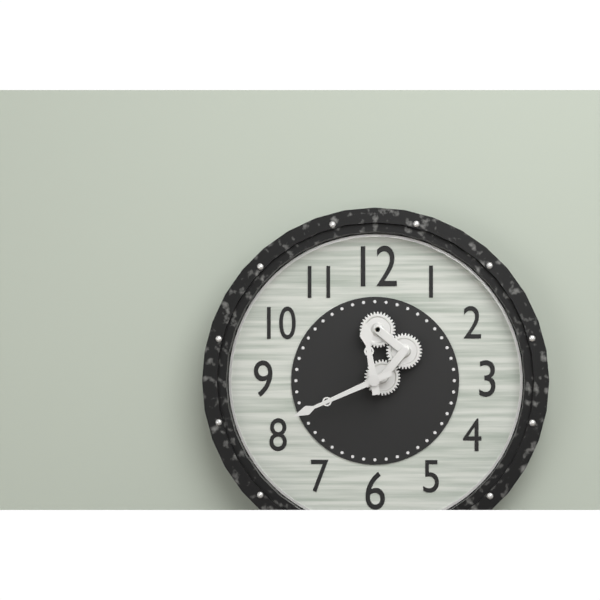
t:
11 h 41 min
